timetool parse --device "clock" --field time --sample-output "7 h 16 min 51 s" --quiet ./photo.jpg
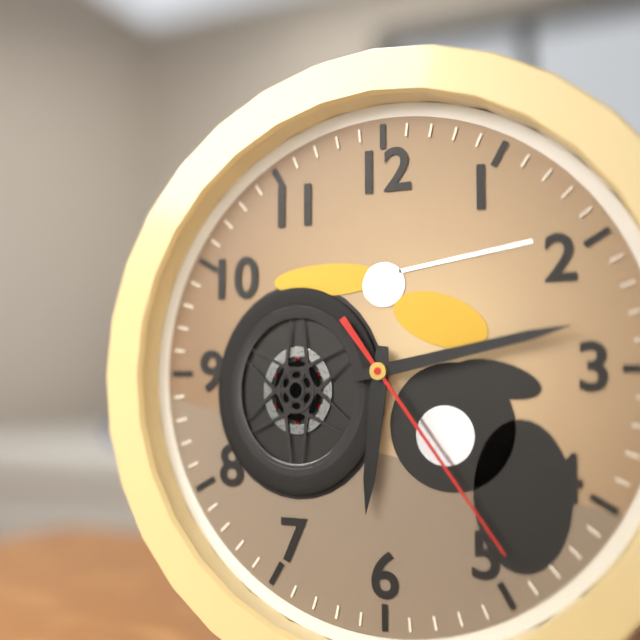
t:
6 h 13 min 24 s
